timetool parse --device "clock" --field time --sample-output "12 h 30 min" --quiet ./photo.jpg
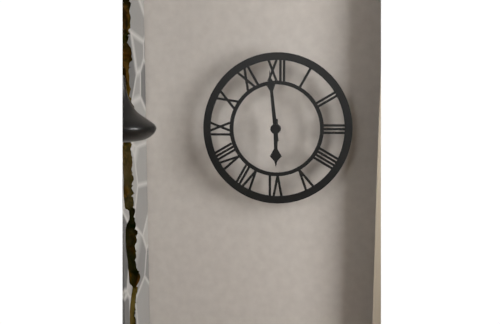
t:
5 h 59 min
